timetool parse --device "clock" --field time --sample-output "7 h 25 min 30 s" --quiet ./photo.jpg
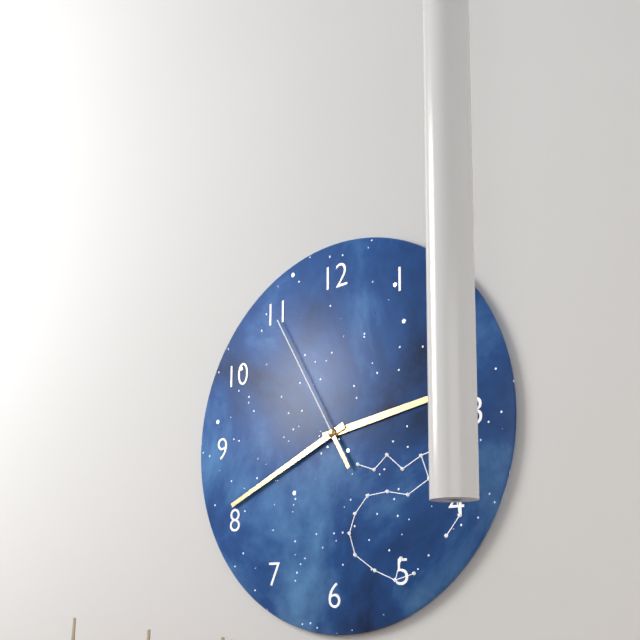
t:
2 h 41 min 55 s
